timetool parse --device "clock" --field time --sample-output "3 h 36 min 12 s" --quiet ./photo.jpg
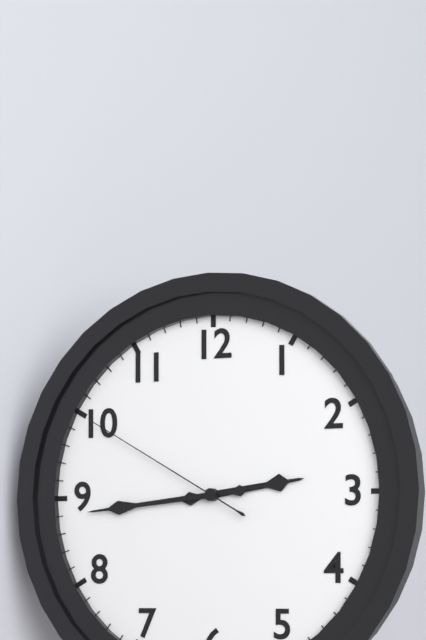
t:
2 h 44 min 50 s
